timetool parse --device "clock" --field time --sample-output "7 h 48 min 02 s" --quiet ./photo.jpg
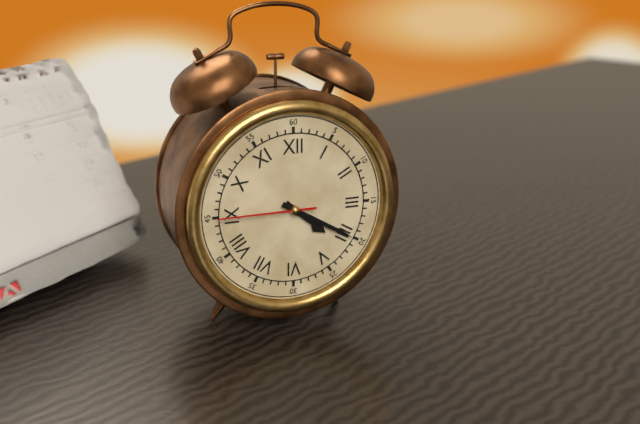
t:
4 h 20 min 45 s
